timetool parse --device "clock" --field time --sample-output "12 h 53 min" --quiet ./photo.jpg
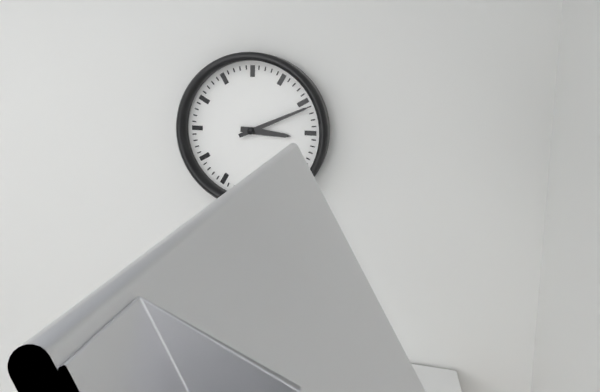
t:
3 h 11 min
